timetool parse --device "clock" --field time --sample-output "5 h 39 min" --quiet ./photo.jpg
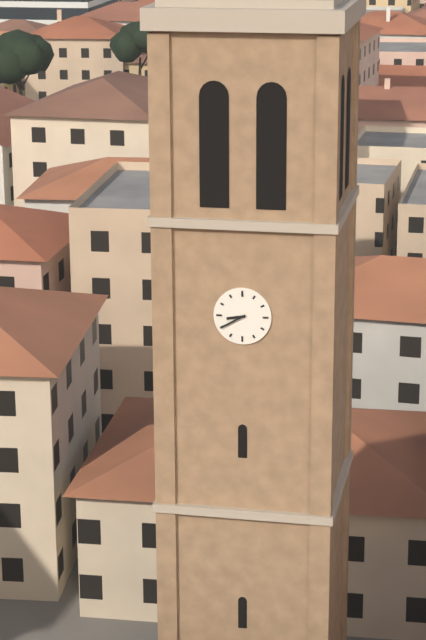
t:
8 h 40 min
